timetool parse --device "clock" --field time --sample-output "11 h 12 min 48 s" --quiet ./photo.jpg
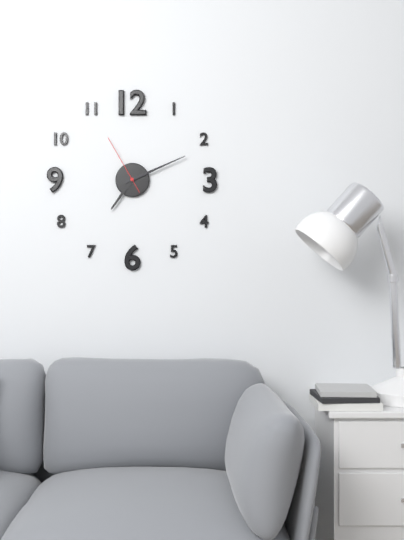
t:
7 h 11 min 55 s
